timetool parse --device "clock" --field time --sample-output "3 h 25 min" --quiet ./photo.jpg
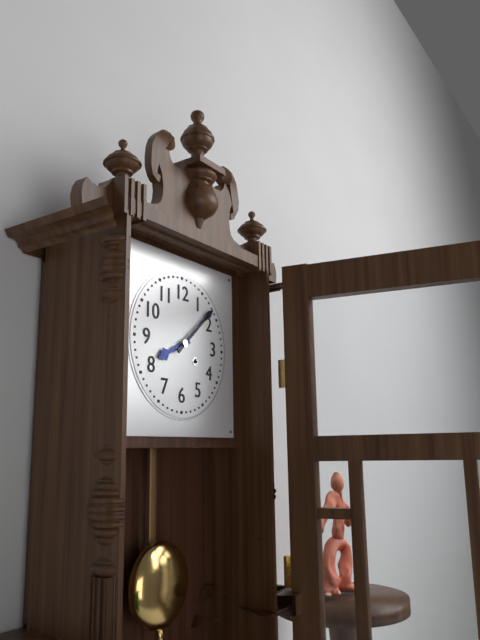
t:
8 h 08 min
